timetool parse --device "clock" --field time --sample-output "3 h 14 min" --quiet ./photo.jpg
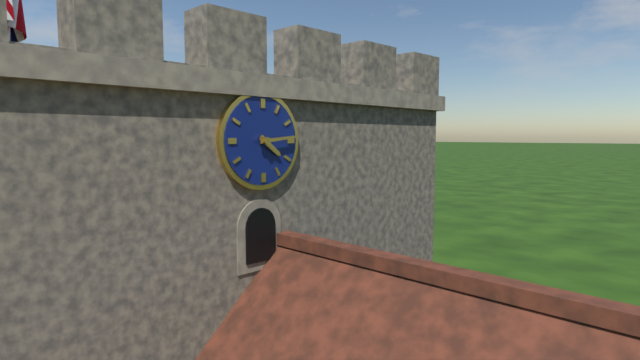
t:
4 h 14 min
